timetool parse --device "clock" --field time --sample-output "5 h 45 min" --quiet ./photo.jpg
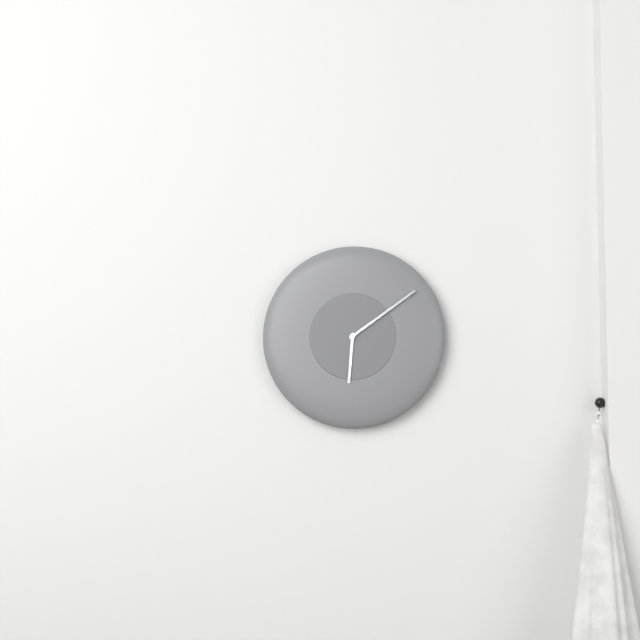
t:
6 h 09 min
